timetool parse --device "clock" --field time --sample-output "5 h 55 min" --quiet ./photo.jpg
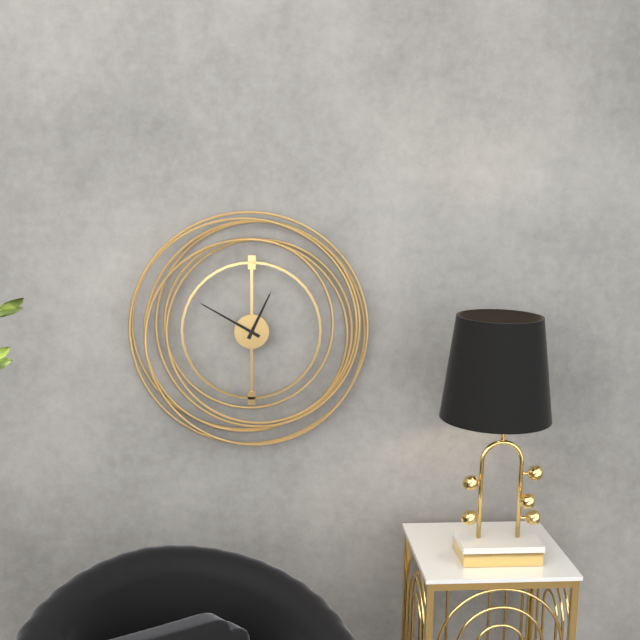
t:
12 h 50 min
